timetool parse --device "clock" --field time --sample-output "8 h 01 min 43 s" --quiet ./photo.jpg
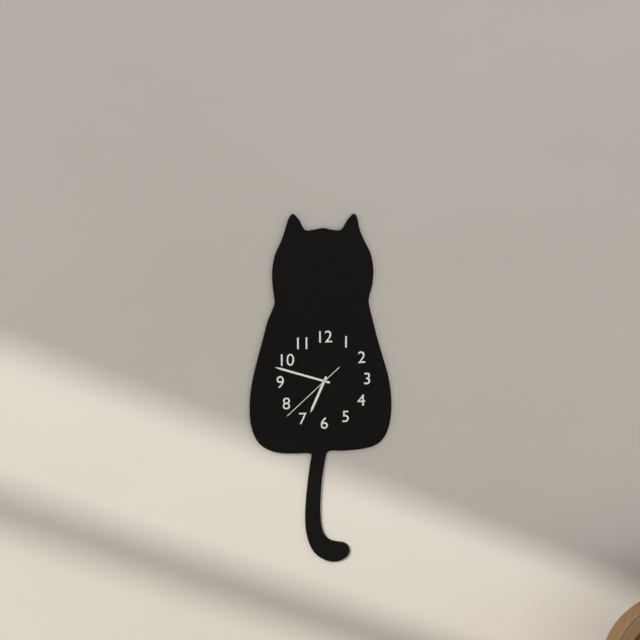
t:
6 h 48 min 38 s
